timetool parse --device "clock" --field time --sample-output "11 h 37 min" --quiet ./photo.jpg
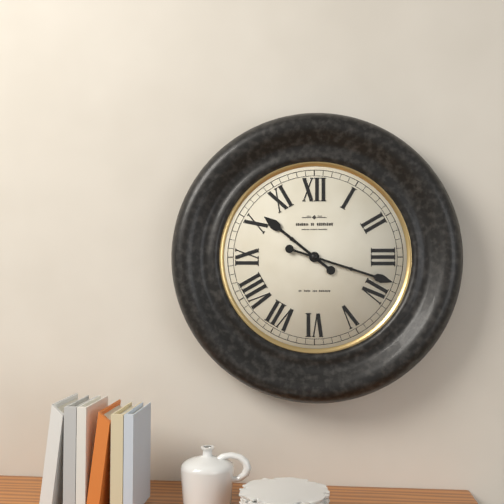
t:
10 h 18 min
